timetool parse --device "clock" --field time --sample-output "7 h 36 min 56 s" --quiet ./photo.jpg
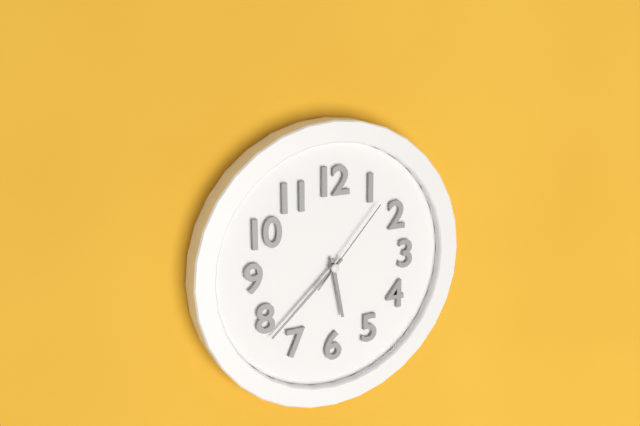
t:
5 h 38 min 07 s
